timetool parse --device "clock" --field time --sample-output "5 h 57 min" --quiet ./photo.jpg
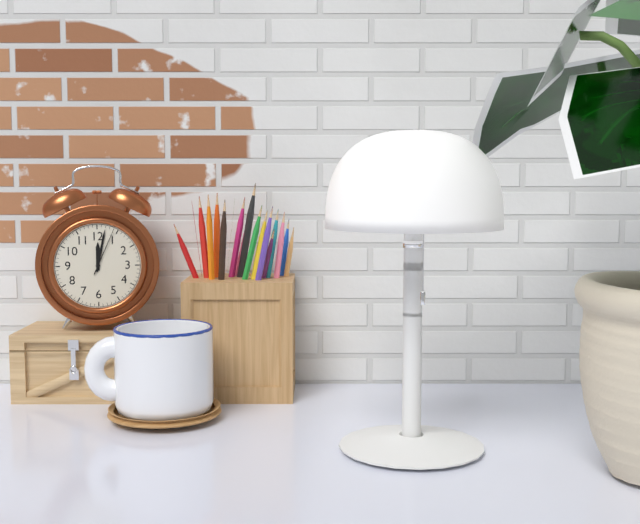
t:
12 h 02 min
